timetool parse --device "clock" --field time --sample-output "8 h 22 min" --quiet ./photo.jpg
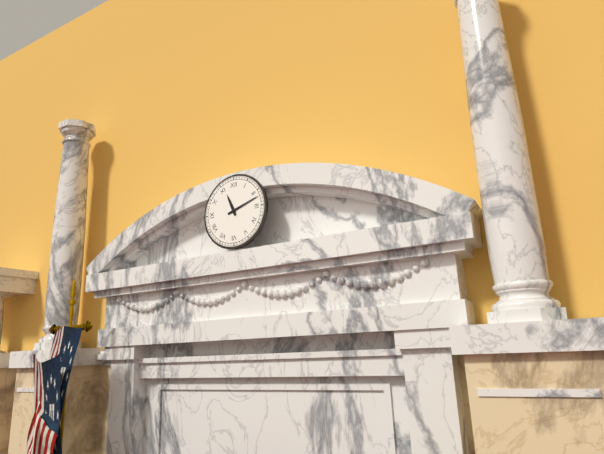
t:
11 h 12 min
